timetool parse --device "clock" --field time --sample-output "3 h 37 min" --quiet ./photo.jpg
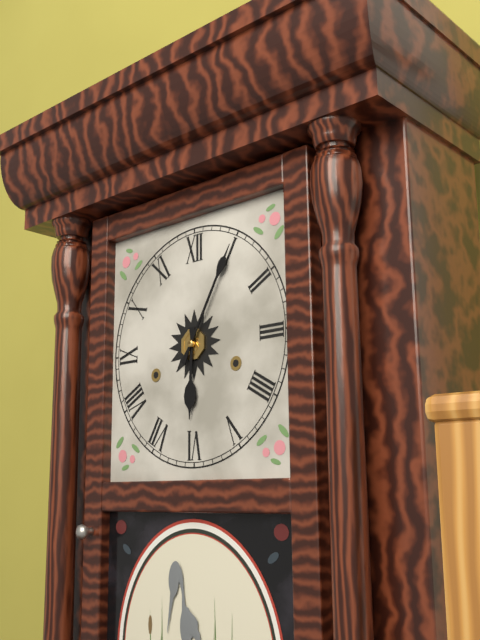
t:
6 h 05 min
